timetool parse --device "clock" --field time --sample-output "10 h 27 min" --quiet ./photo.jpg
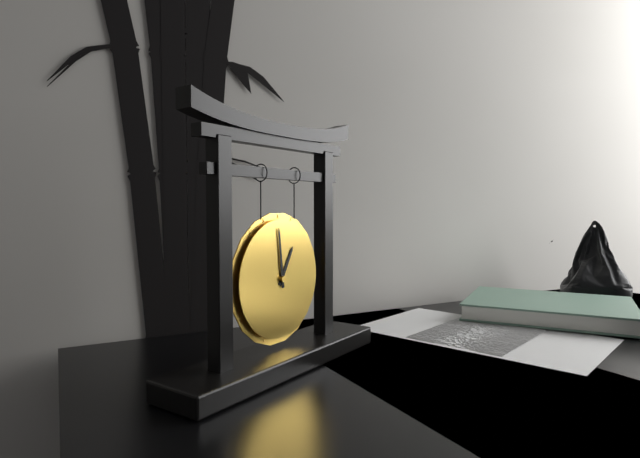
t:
12 h 59 min
